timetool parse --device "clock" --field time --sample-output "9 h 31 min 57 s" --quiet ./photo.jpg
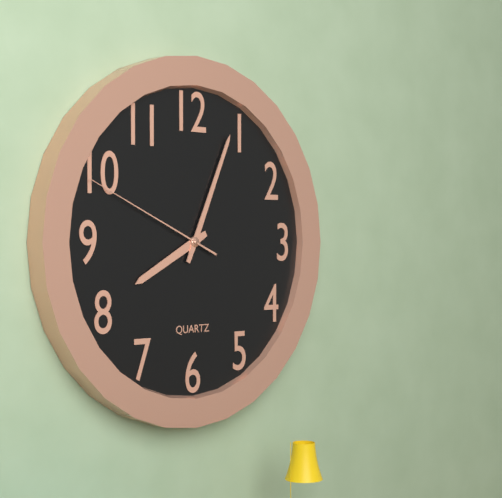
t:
8 h 04 min 49 s
